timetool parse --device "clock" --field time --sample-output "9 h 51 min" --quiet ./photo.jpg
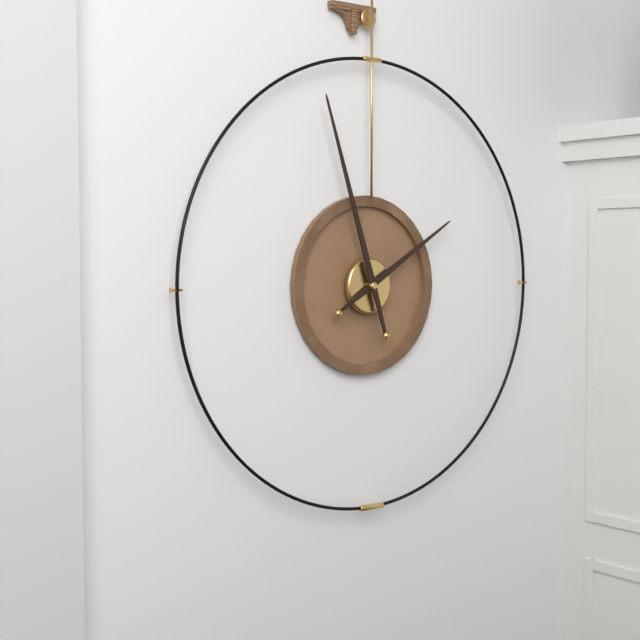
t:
1 h 57 min
